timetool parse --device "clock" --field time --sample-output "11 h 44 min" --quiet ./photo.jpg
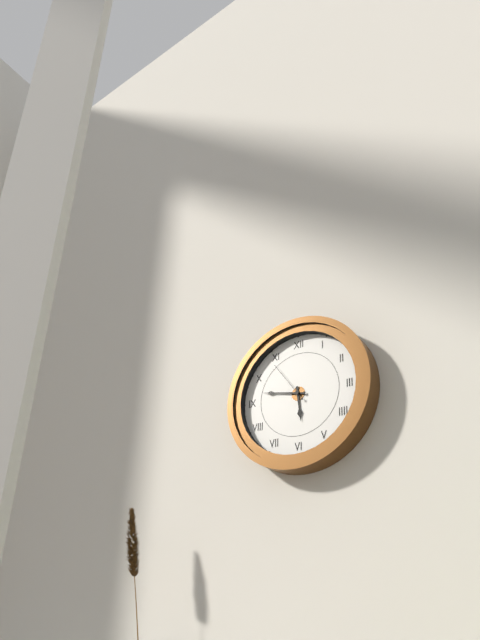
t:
5 h 47 min
